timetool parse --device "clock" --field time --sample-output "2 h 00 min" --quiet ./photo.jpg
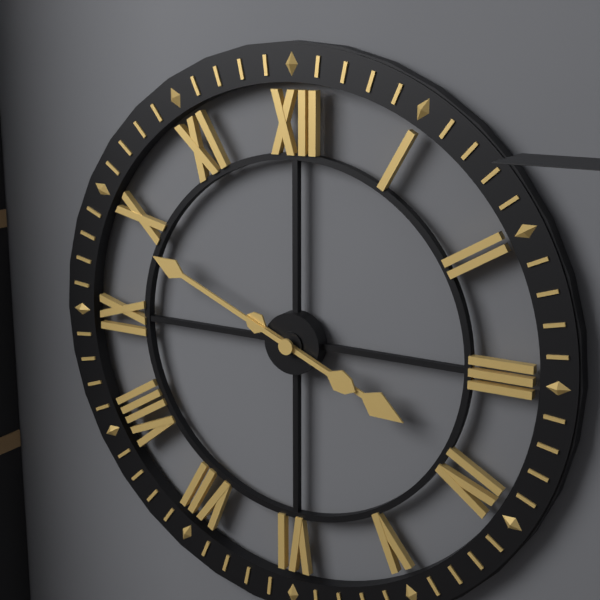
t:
3 h 49 min
